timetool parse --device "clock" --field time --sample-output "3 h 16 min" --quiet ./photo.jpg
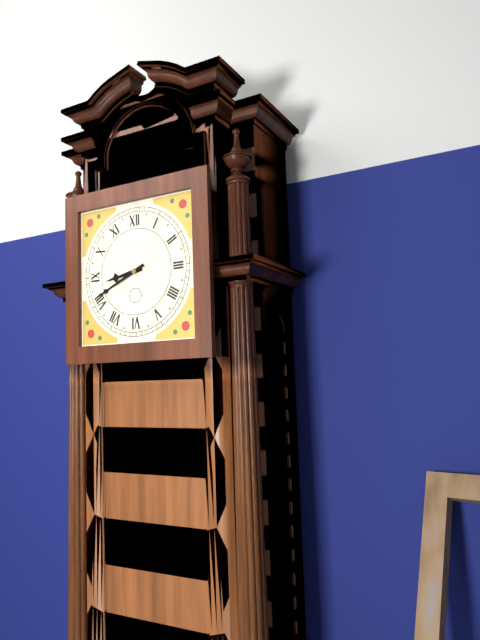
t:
8 h 41 min
